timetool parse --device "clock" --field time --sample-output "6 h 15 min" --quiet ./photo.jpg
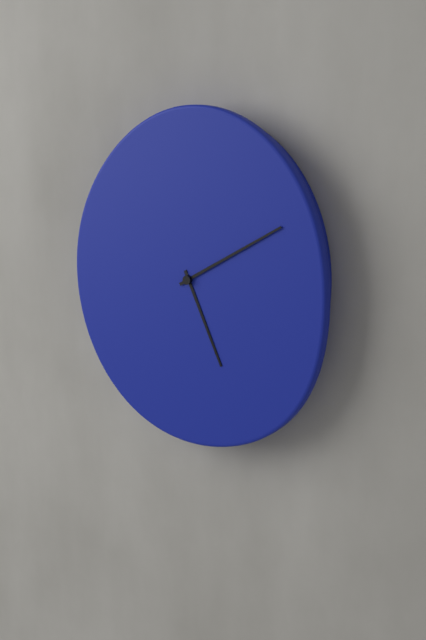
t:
5 h 10 min
